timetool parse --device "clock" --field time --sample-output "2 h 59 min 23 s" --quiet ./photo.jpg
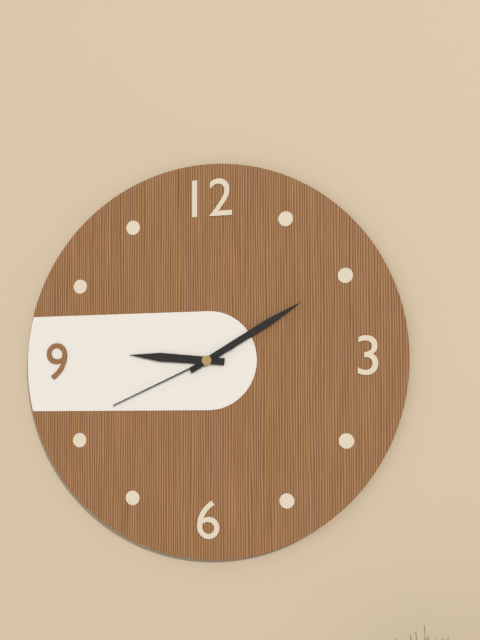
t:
9 h 10 min 41 s
